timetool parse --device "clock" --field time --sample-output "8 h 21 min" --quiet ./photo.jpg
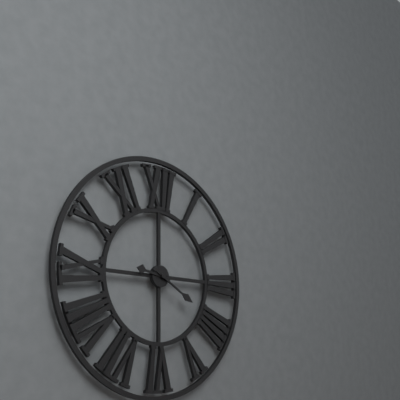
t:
9 h 20 min
